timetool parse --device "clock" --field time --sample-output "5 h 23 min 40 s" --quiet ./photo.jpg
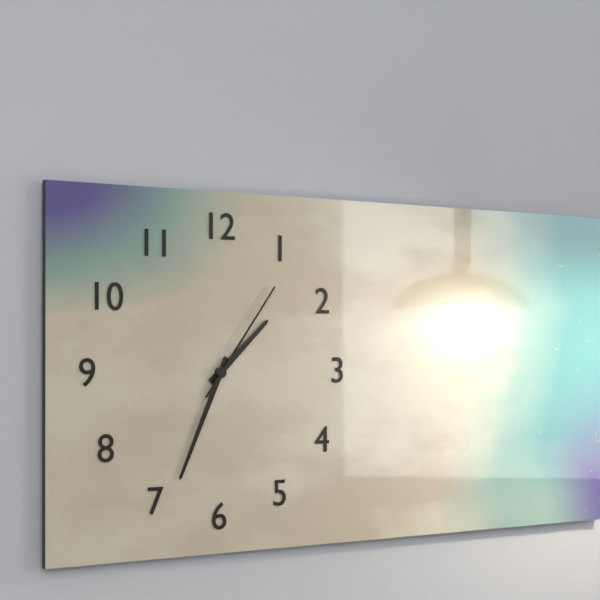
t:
1 h 34 min 06 s
